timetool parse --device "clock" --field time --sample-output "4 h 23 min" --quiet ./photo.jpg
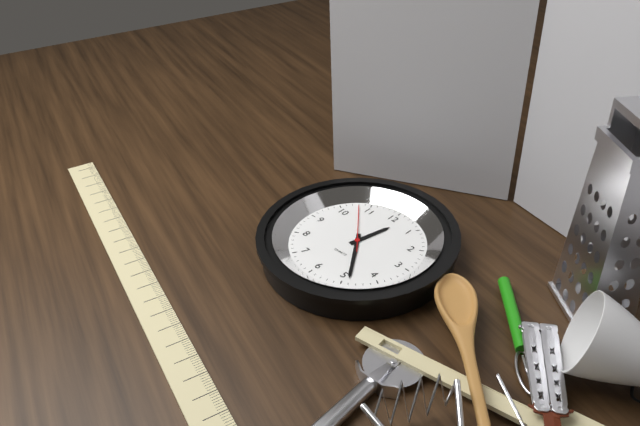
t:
12 h 24 min
